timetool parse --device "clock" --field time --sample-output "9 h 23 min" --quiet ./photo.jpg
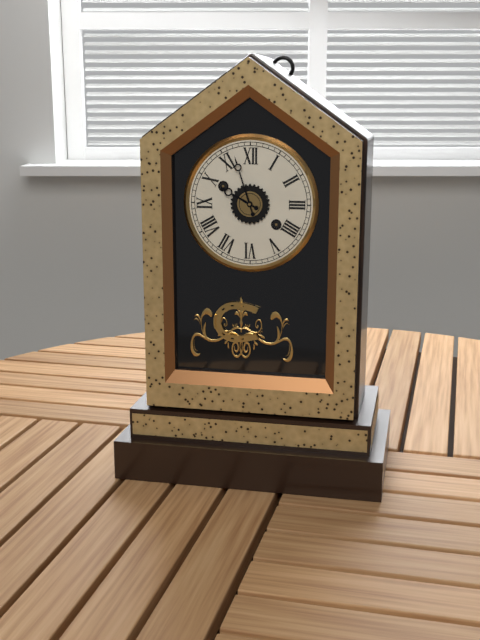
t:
9 h 57 min
